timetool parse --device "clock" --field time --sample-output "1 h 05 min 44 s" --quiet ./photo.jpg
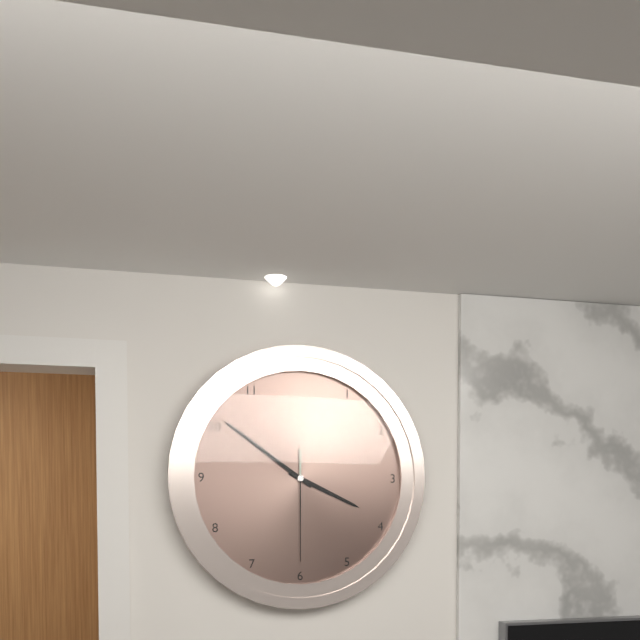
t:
3 h 51 min 30 s
